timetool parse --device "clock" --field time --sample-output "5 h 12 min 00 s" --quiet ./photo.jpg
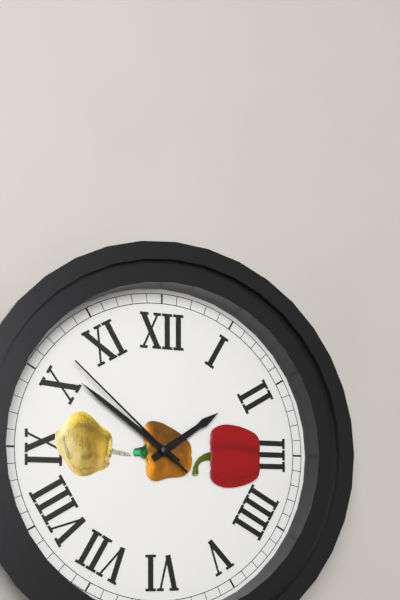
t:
1 h 51 min 52 s
